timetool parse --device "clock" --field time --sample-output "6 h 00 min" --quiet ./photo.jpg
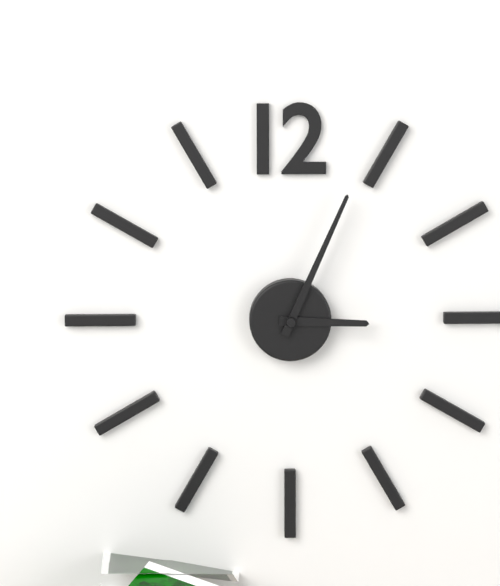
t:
3 h 04 min
